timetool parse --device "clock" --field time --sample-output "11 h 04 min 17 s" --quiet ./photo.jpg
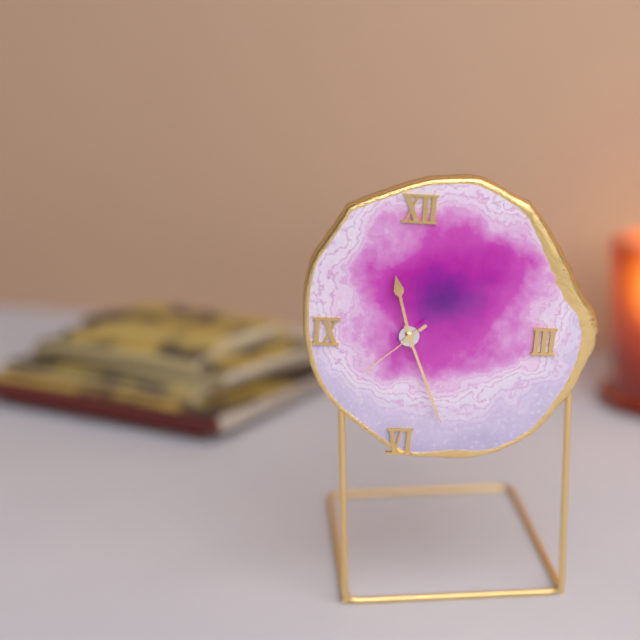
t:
11 h 26 min 38 s
